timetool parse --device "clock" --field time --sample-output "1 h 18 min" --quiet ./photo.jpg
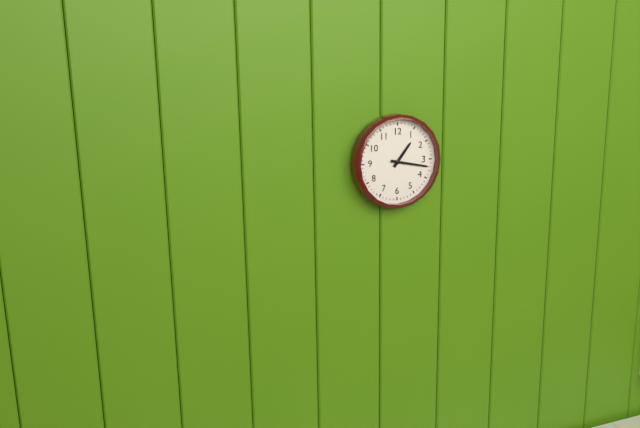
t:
1 h 17 min
